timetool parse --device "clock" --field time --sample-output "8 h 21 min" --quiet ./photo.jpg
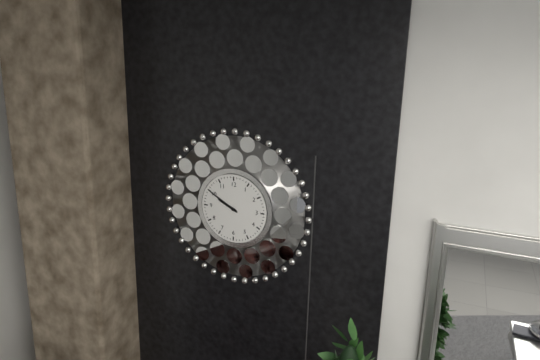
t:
9 h 50 min
